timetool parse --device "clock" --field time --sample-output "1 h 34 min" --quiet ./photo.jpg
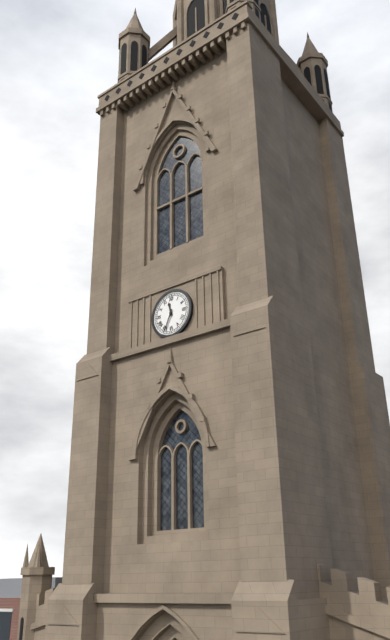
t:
11 h 34 min
